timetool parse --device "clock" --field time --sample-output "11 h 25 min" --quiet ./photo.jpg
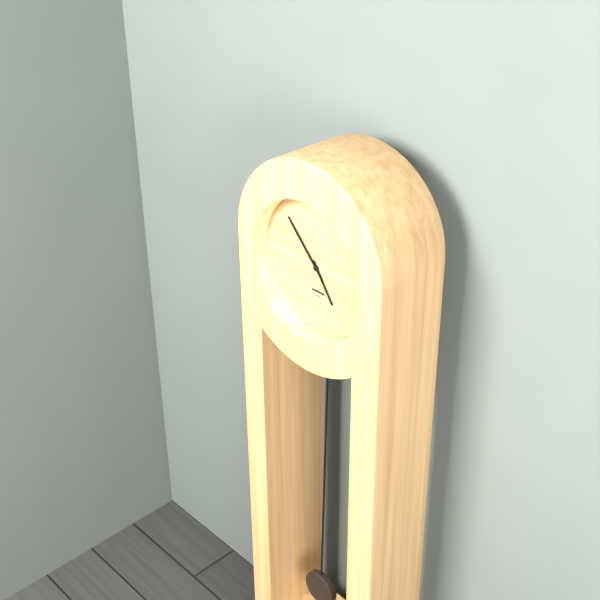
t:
4 h 53 min
